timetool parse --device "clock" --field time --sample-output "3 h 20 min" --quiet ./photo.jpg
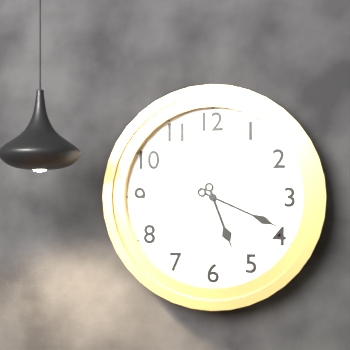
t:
5 h 19 min
